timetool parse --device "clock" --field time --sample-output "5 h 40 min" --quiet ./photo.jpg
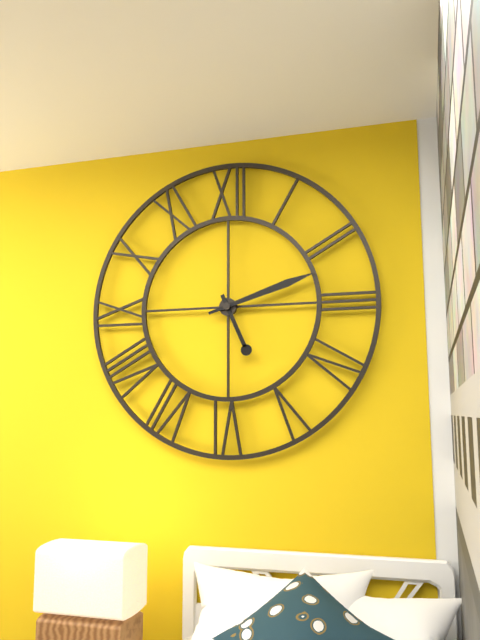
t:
5 h 12 min
